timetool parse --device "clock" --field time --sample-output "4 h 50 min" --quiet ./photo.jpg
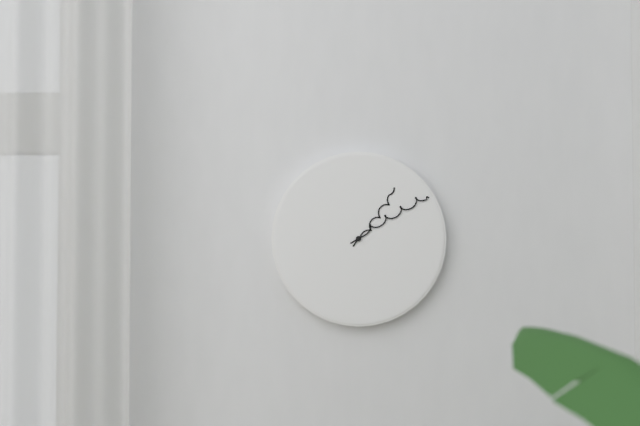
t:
1 h 10 min
